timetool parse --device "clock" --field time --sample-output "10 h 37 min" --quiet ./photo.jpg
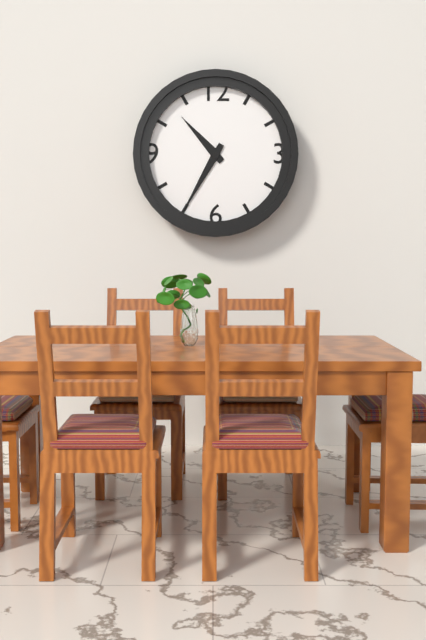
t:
10 h 35 min
